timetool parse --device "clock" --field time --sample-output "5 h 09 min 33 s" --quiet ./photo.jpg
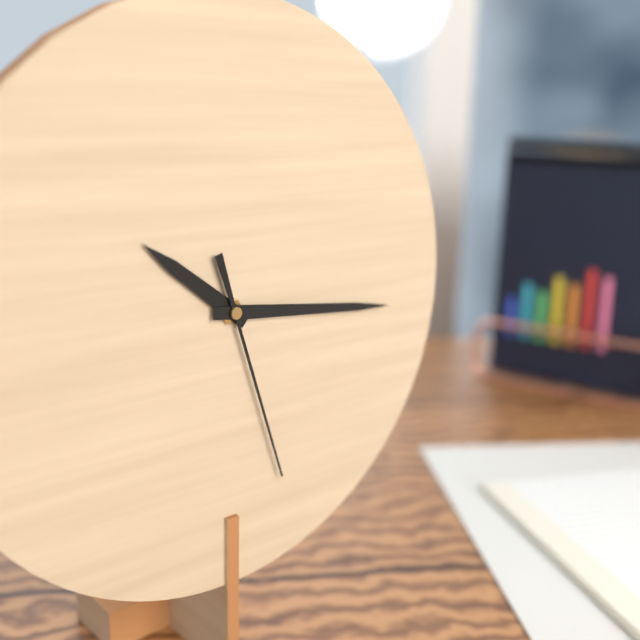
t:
10 h 16 min 27 s
